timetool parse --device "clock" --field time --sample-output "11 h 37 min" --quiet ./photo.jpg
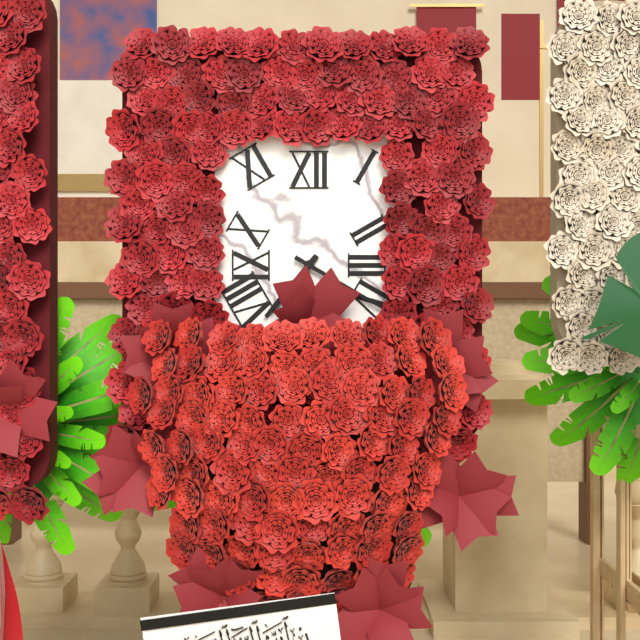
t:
7 h 20 min
